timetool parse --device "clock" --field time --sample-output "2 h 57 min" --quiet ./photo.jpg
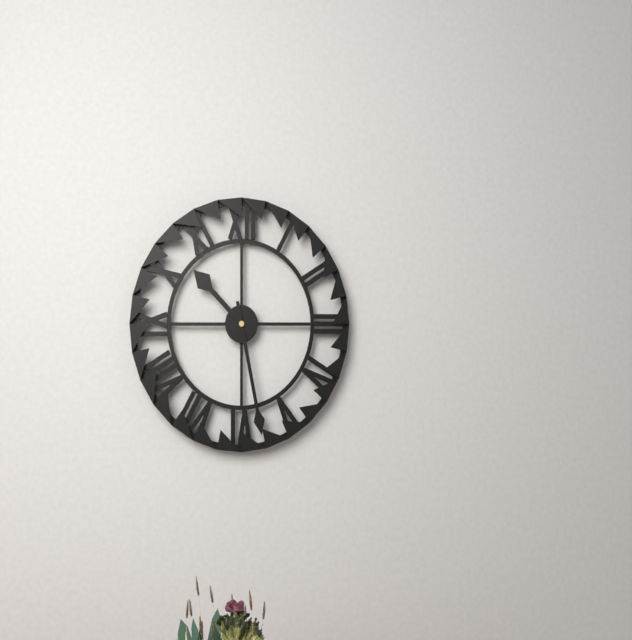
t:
10 h 28 min
